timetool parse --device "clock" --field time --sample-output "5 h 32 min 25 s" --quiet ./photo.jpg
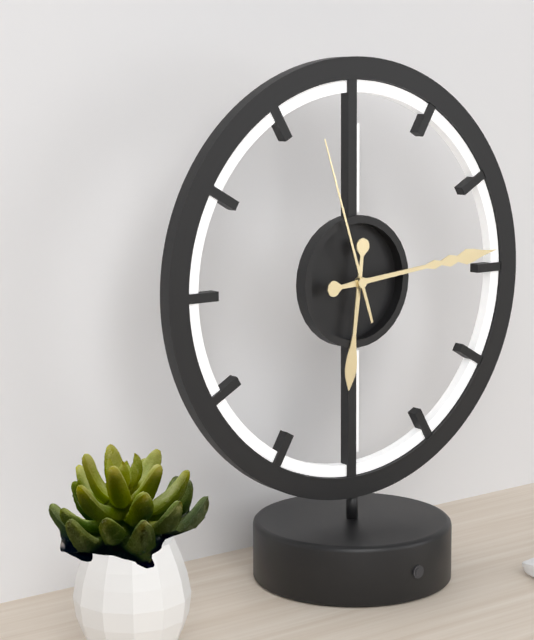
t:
6 h 14 min 57 s
